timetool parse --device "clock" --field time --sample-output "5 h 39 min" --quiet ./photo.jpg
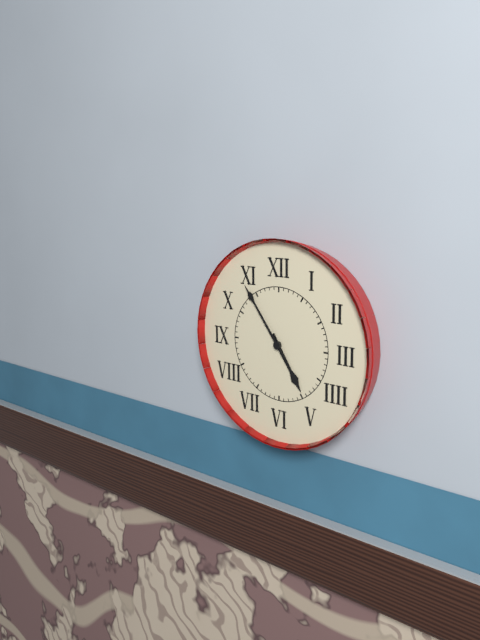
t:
4 h 54 min
